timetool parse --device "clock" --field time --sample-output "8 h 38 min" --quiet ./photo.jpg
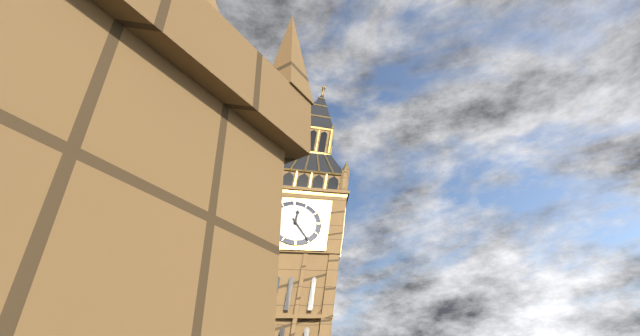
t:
12 h 25 min
